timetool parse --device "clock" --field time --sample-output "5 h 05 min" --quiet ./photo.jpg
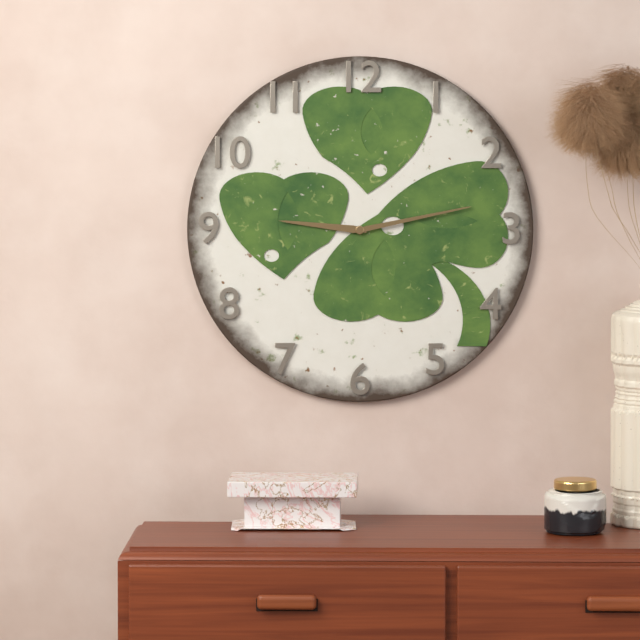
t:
9 h 13 min
